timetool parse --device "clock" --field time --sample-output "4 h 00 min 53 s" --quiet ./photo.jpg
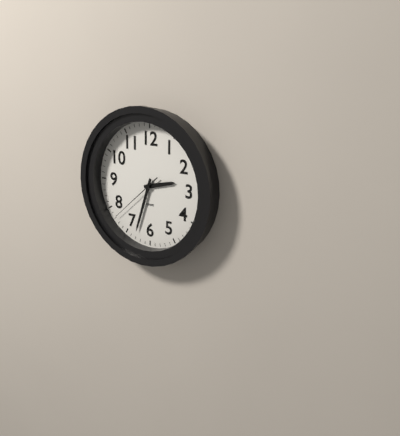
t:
2 h 33 min 38 s
